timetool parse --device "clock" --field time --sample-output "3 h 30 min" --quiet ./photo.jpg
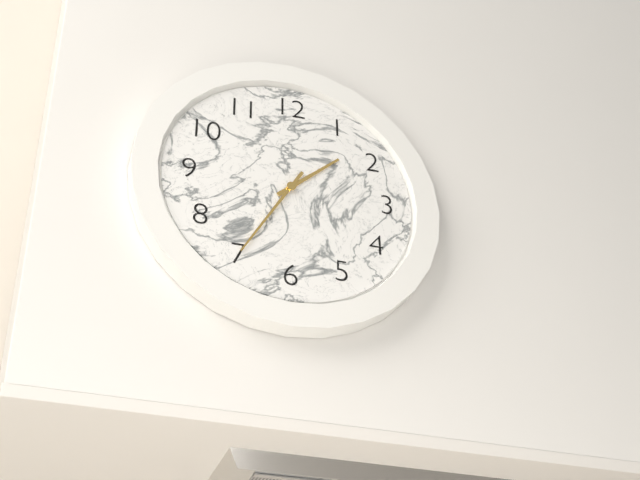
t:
1 h 35 min
